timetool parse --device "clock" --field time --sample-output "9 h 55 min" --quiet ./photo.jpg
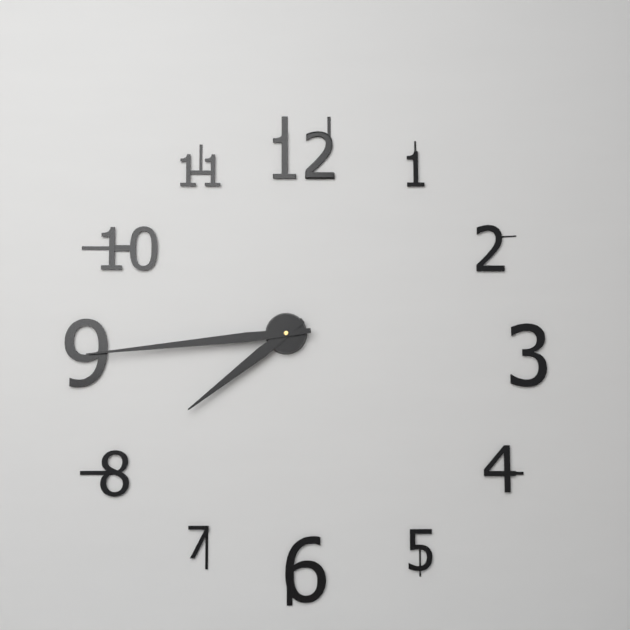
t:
7 h 44 min
